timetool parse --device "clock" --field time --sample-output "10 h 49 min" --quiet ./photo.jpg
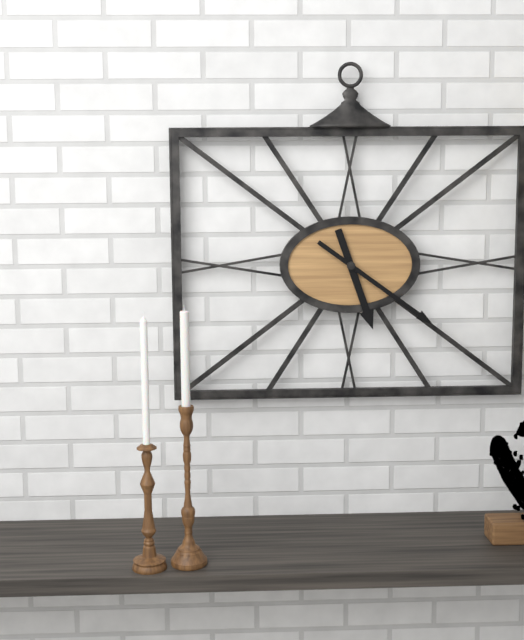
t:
5 h 21 min
